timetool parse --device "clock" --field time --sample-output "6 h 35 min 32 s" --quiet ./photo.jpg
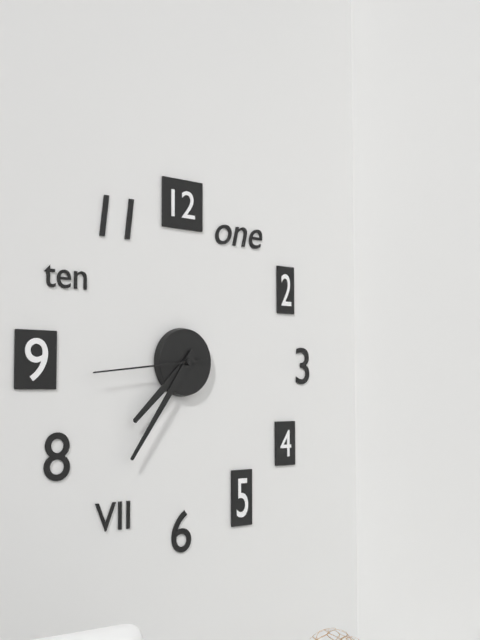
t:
7 h 36 min 44 s
